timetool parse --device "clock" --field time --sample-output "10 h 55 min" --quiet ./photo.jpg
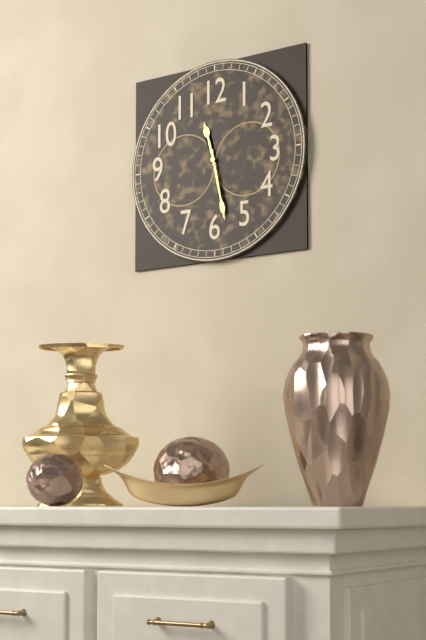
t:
11 h 28 min
